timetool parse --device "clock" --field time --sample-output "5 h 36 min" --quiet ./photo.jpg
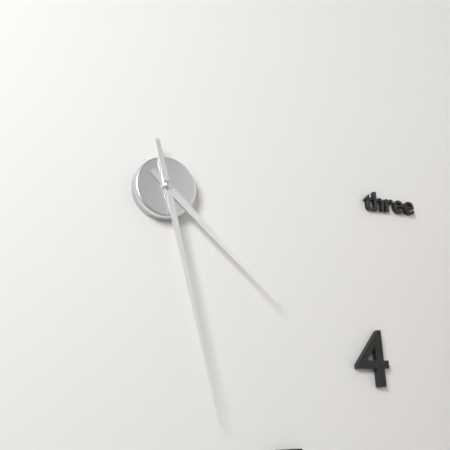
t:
4 h 28 min
